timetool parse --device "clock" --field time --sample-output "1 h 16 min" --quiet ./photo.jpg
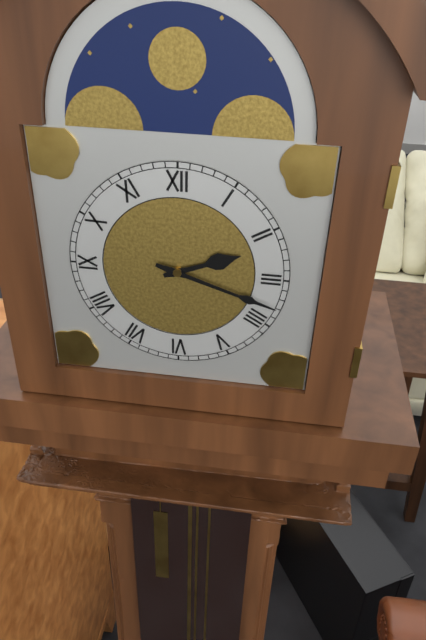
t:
2 h 18 min
